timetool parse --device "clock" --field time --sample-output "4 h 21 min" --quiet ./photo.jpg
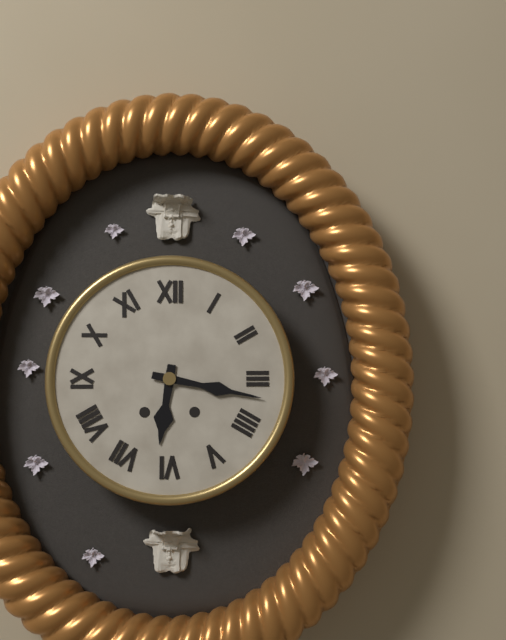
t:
6 h 17 min
